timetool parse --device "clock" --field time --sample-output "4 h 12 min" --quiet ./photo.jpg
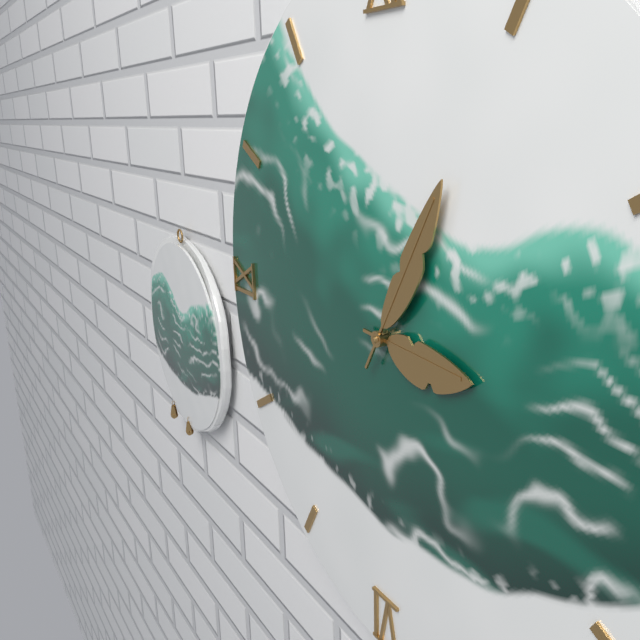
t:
3 h 05 min
